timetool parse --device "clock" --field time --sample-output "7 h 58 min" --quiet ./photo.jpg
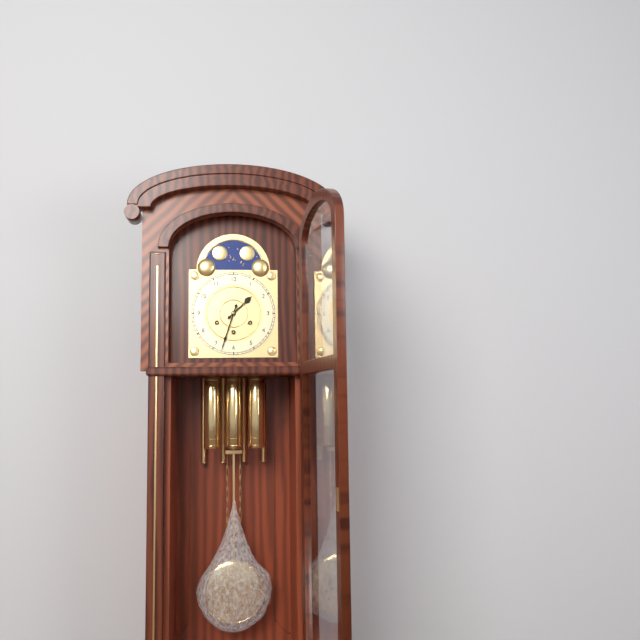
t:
1 h 33 min
